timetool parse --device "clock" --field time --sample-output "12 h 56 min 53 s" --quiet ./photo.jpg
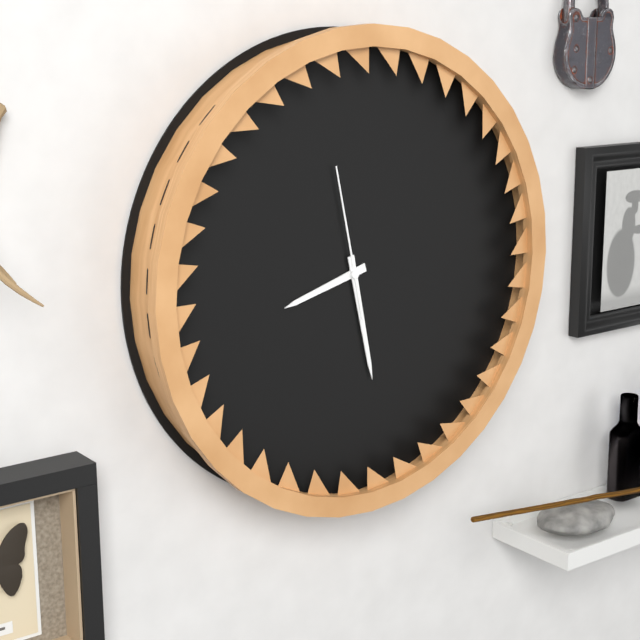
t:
8 h 28 min 58 s
